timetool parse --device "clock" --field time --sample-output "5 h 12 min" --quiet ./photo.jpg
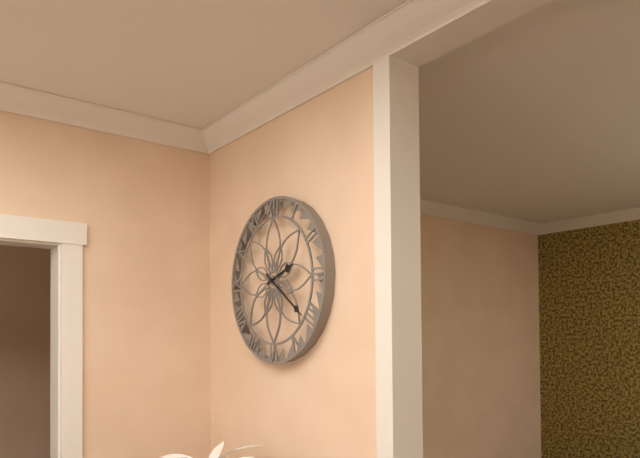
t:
2 h 21 min
